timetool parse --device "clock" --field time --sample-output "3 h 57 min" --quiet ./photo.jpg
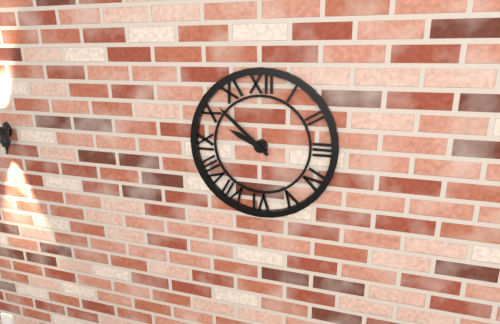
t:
9 h 52 min
